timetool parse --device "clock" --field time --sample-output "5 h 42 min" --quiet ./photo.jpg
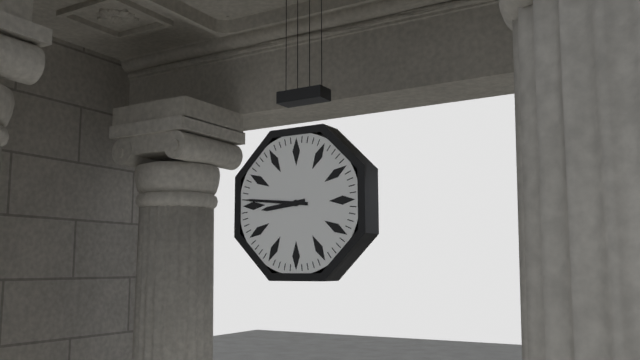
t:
8 h 46 min
